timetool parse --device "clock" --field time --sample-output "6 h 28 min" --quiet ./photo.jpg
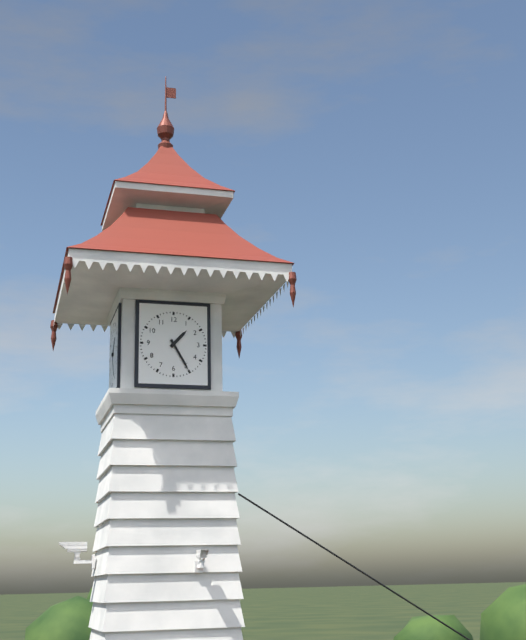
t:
1 h 25 min
